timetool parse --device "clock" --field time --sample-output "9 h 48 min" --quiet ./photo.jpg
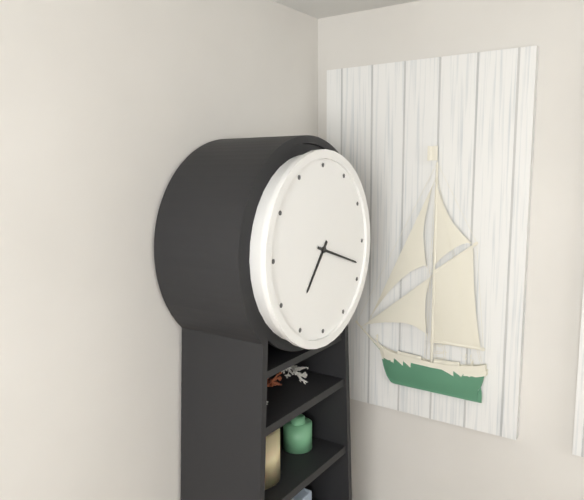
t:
7 h 18 min
